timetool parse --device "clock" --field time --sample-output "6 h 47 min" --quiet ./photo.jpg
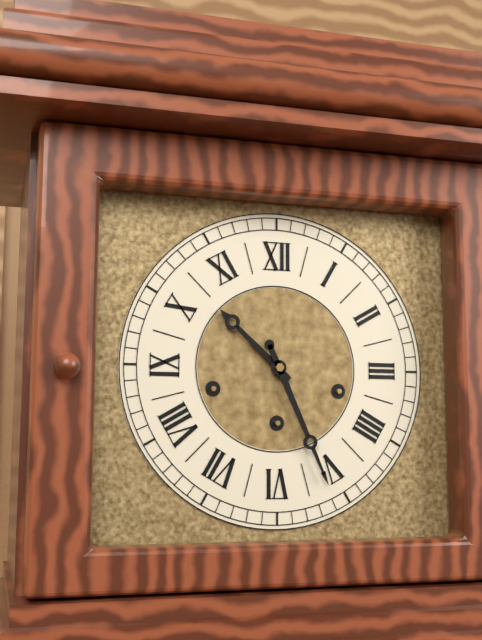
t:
10 h 26 min
